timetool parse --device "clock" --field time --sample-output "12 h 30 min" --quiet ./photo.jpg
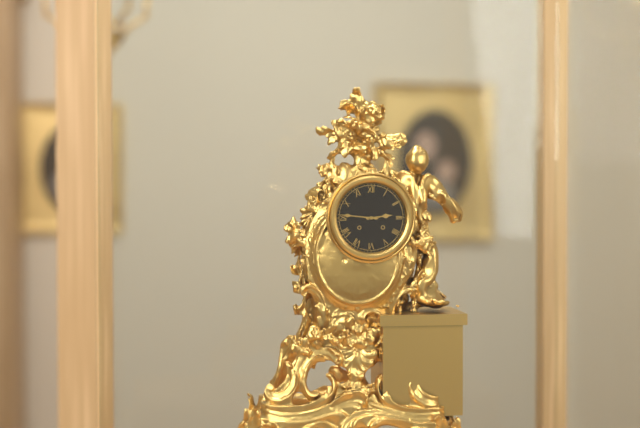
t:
2 h 46 min
